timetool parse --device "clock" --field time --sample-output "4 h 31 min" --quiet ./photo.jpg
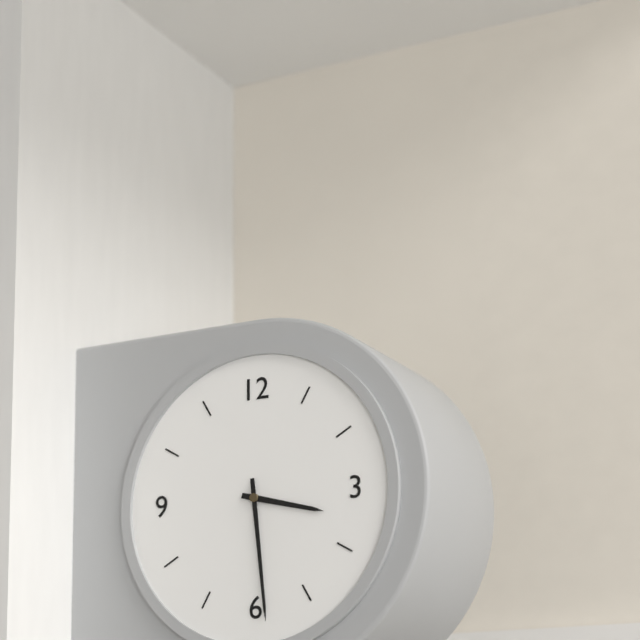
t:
3 h 29 min
